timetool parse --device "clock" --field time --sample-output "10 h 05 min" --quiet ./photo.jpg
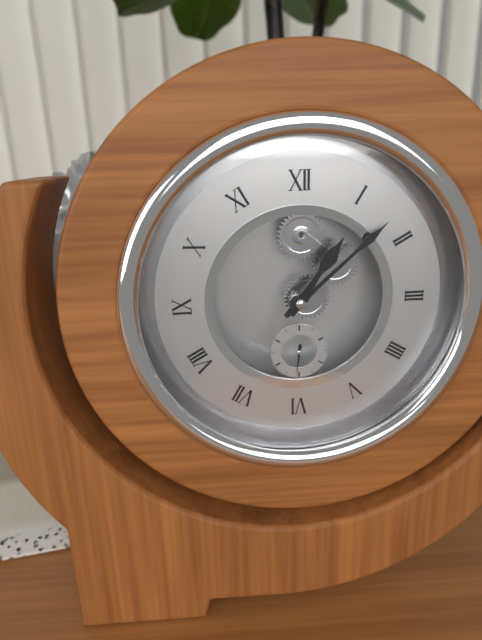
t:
1 h 08 min
